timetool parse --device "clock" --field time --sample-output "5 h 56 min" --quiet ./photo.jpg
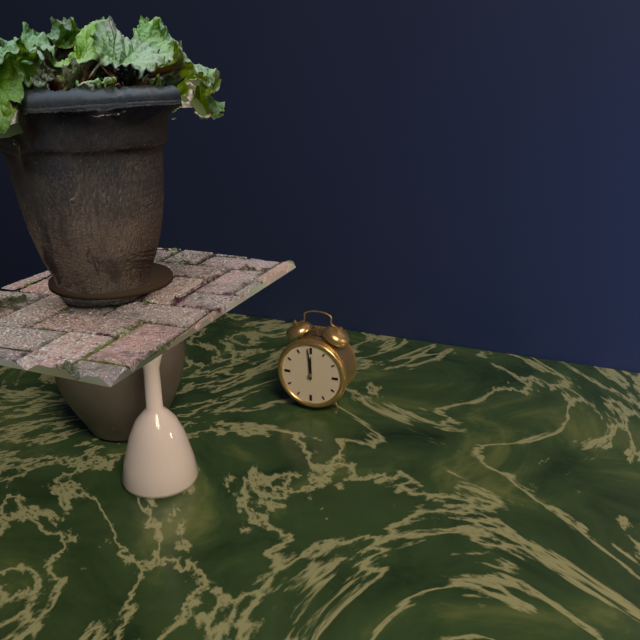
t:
11 h 59 min
